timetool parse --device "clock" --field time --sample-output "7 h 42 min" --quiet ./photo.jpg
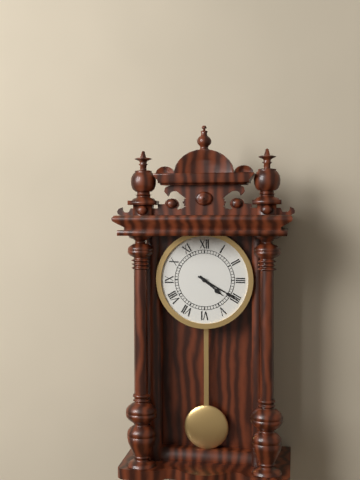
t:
4 h 20 min
